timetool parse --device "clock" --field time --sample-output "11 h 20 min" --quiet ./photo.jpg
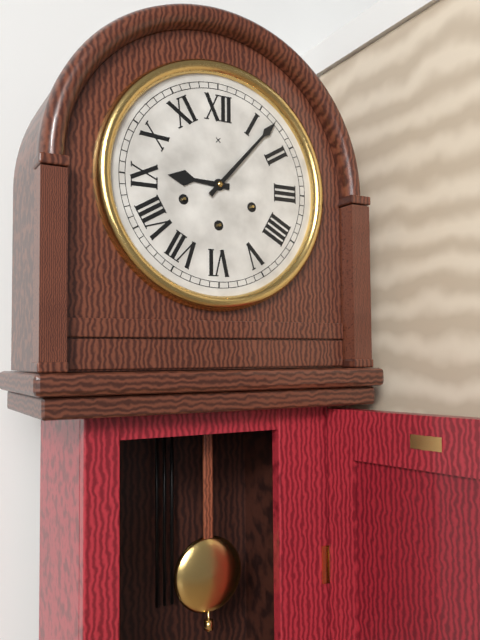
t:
9 h 07 min
